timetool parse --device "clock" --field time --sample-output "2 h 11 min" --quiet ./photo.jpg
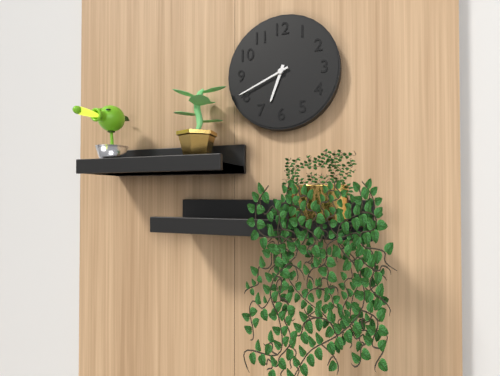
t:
6 h 41 min
